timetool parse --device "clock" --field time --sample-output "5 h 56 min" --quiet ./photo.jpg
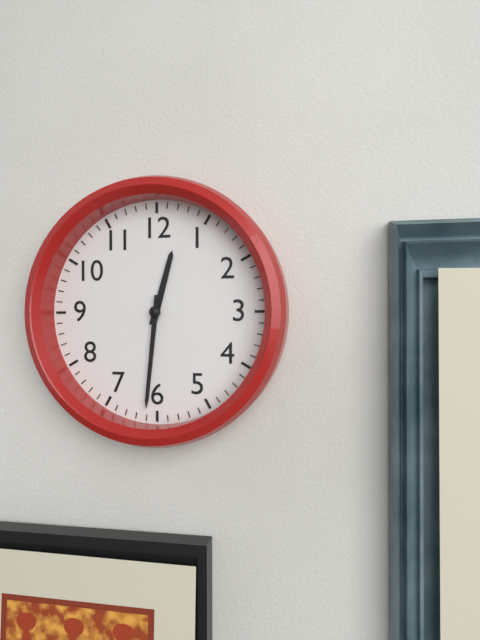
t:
12 h 31 min
